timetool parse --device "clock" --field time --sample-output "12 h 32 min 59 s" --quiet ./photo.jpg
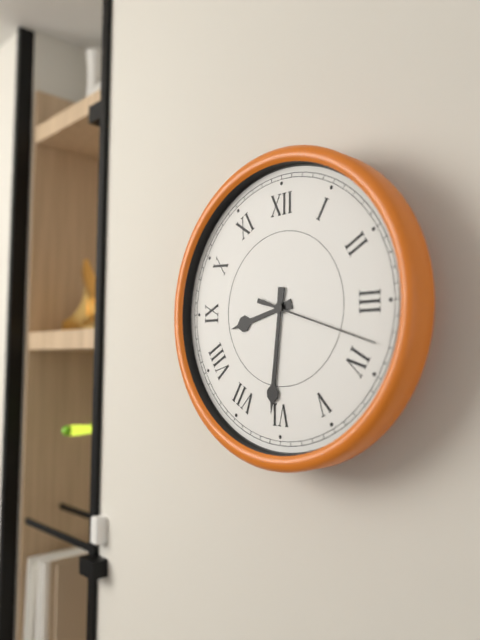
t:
8 h 31 min 18 s
